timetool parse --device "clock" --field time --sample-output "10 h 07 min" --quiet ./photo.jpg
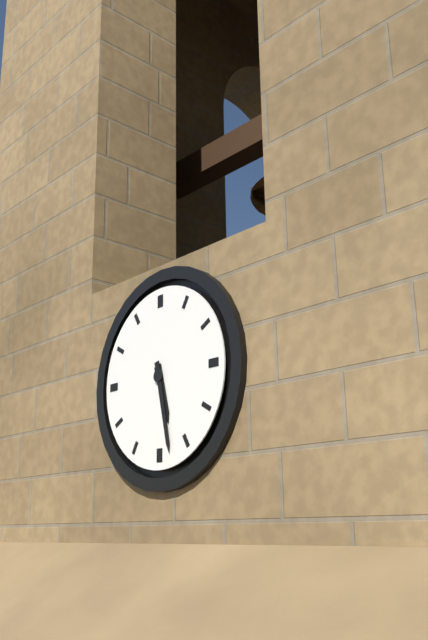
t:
5 h 28 min
